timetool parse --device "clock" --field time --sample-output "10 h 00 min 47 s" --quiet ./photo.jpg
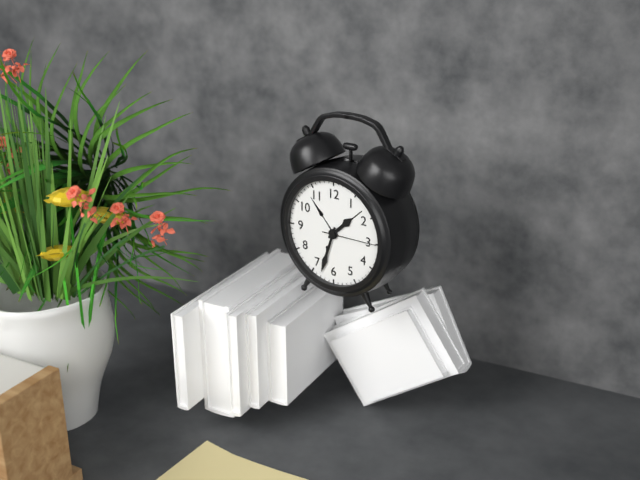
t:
1 h 33 min 15 s
